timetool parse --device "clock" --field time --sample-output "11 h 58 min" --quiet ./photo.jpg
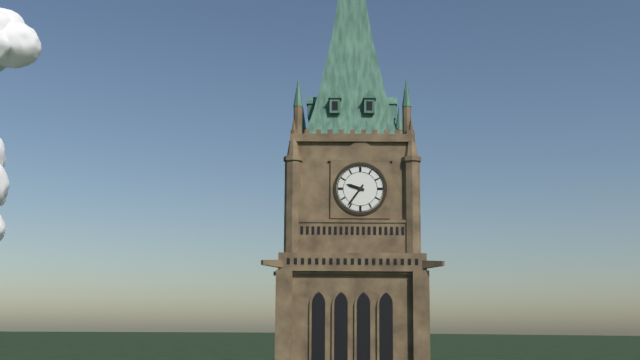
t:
9 h 36 min
